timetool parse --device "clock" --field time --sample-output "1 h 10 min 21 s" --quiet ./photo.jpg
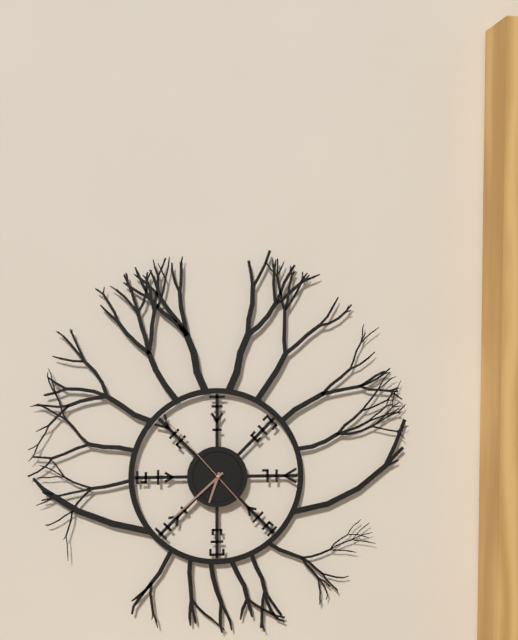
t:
6 h 38 min 53 s
